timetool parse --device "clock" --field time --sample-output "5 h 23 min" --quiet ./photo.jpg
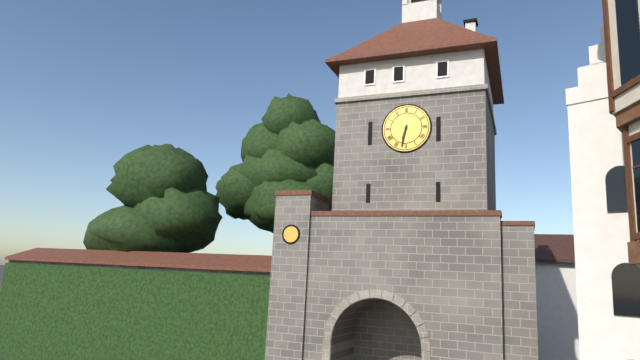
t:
6 h 32 min
